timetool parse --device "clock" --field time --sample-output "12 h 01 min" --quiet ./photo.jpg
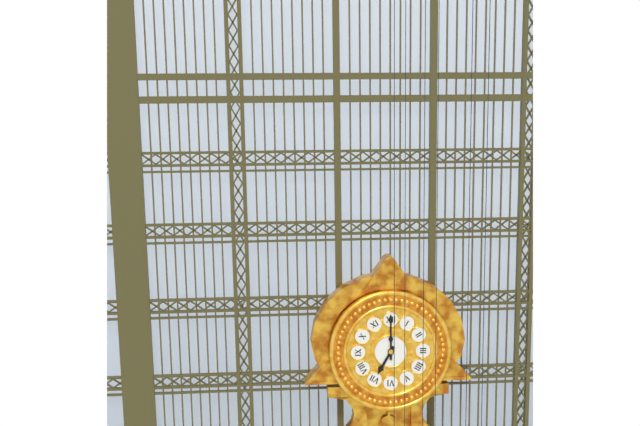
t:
7 h 00 min
